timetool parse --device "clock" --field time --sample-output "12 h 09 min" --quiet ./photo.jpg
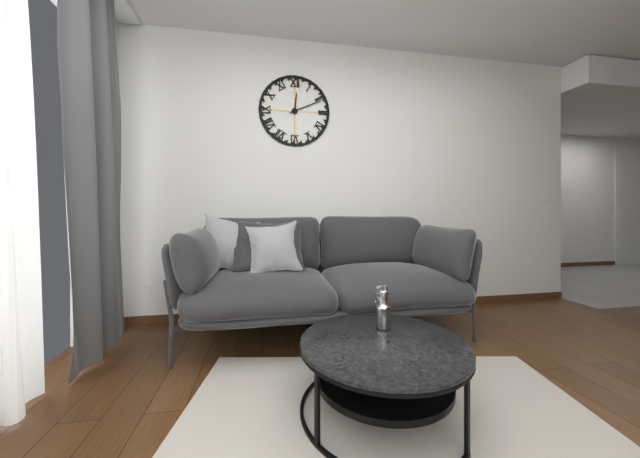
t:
12 h 11 min
